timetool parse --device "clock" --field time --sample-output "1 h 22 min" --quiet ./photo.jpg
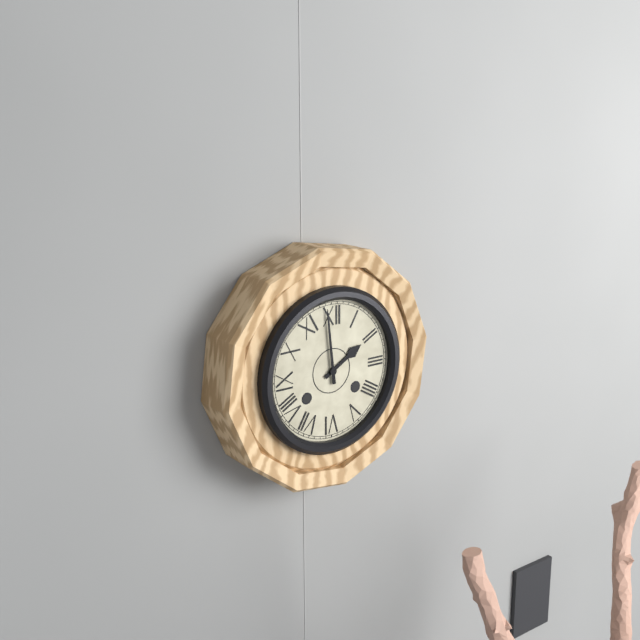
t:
1 h 59 min
